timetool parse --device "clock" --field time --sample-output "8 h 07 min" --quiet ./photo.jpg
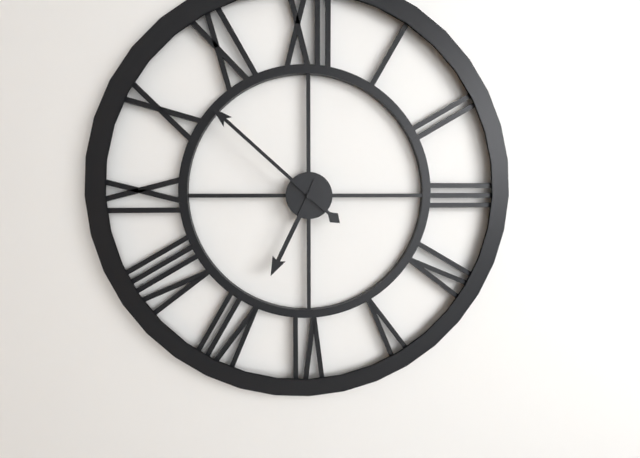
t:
6 h 52 min
